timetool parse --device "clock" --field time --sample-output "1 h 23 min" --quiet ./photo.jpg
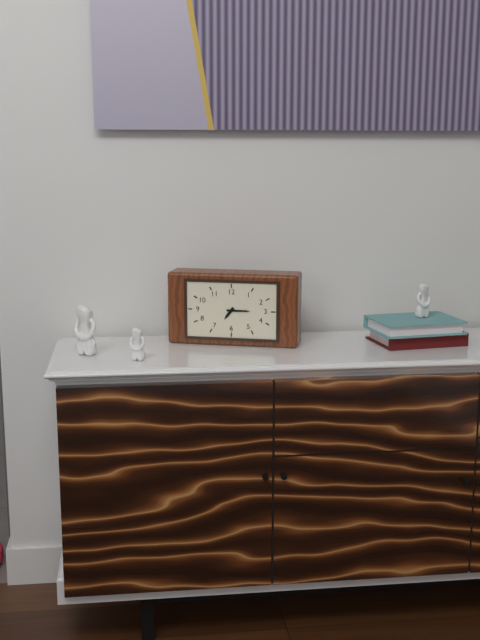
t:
7 h 15 min
